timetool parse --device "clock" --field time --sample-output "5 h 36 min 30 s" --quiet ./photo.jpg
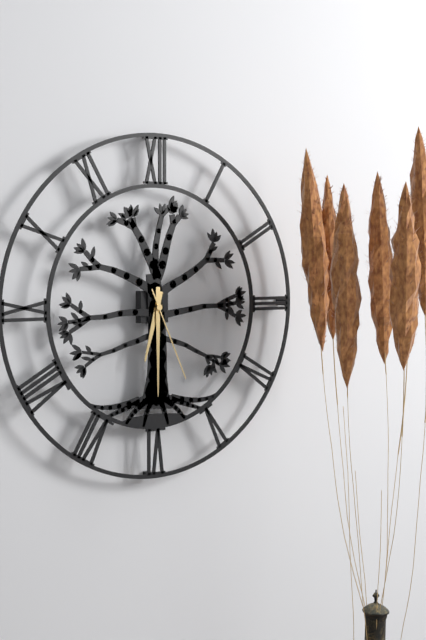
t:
6 h 30 min 26 s
